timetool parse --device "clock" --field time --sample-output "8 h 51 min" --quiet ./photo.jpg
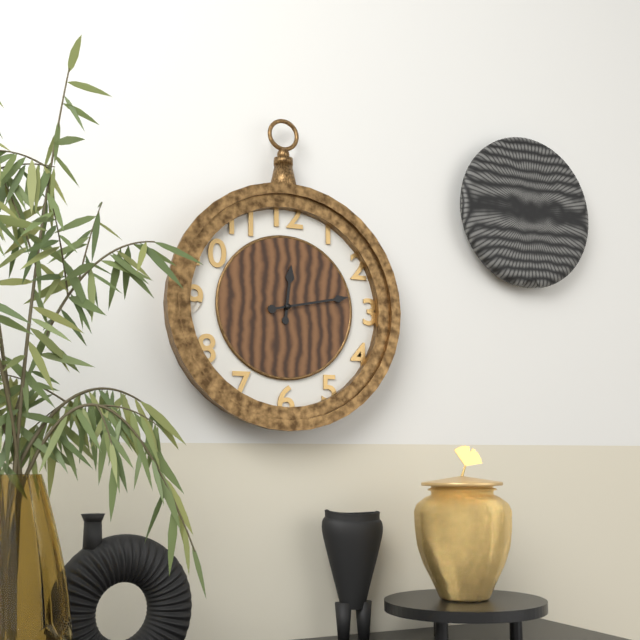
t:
12 h 13 min
